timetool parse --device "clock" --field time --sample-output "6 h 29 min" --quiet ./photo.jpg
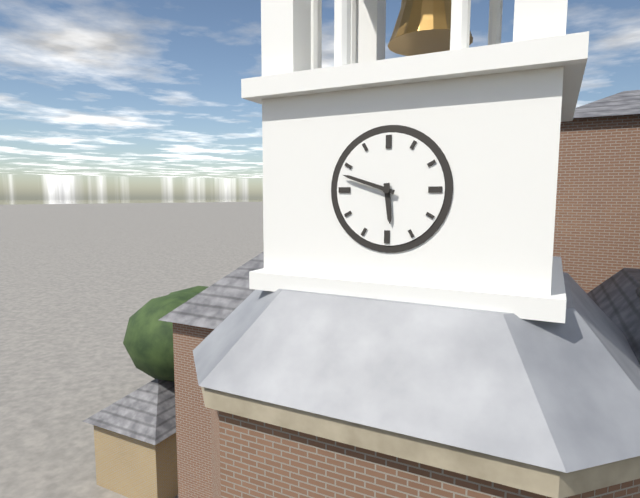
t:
5 h 48 min
